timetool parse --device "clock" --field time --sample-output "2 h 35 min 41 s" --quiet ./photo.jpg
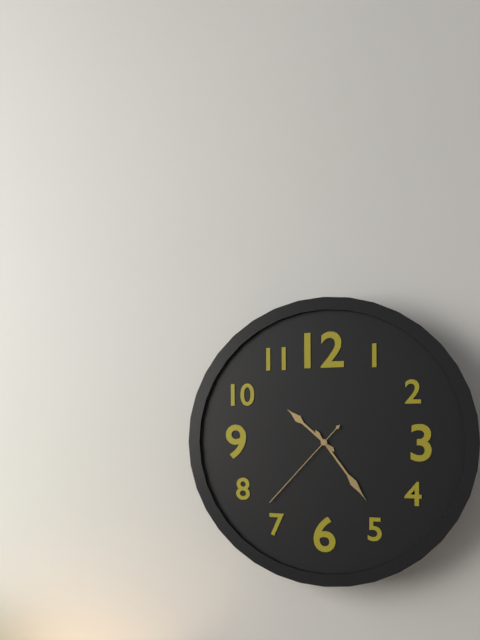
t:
10 h 24 min 37 s
